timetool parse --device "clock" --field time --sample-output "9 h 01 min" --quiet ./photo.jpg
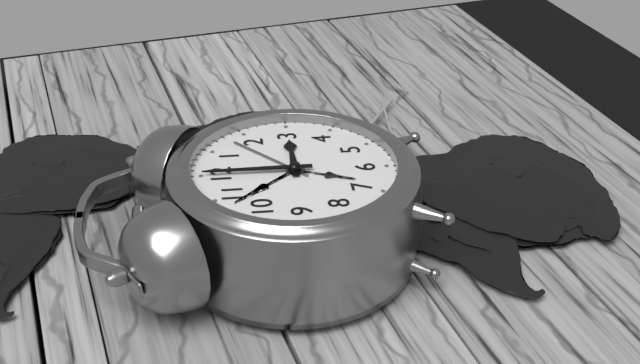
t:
3 h 00 min
